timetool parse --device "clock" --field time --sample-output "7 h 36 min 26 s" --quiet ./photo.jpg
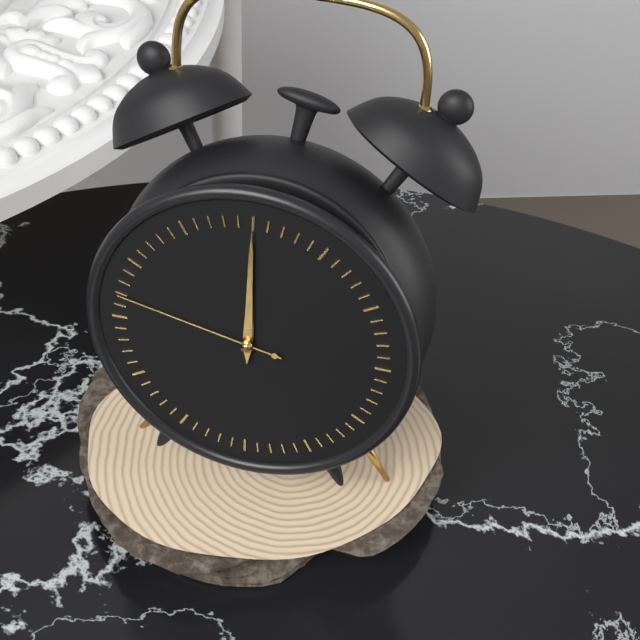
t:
12 h 00 min 47 s
